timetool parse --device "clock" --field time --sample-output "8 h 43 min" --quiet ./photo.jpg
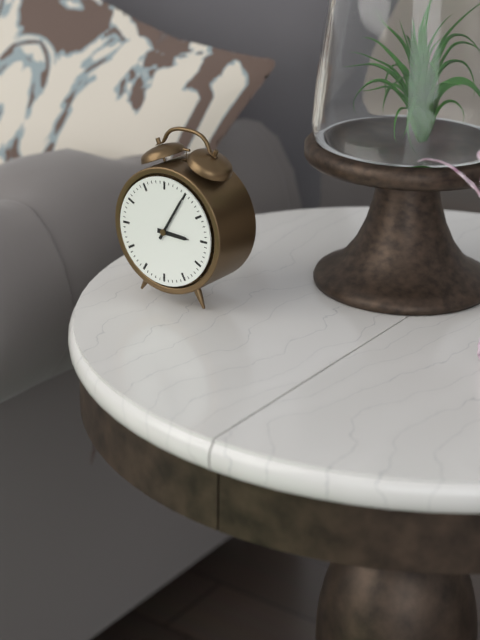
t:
3 h 05 min
